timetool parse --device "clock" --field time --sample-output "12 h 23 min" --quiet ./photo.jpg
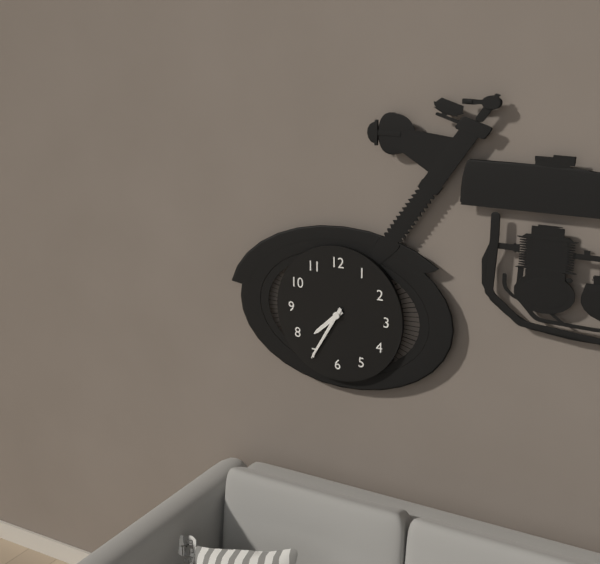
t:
7 h 35 min
